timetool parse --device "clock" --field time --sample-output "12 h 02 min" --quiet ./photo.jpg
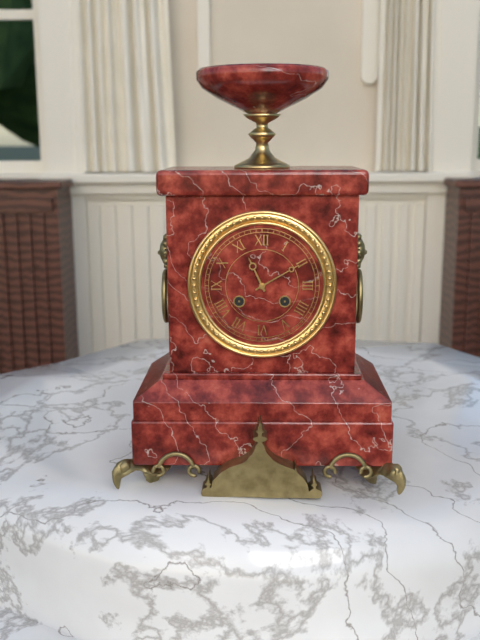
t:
11 h 10 min
